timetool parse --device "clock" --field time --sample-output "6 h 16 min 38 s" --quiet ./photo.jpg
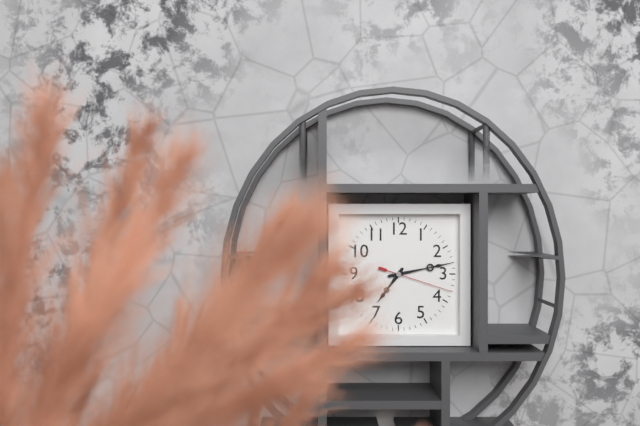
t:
7 h 13 min 18 s
